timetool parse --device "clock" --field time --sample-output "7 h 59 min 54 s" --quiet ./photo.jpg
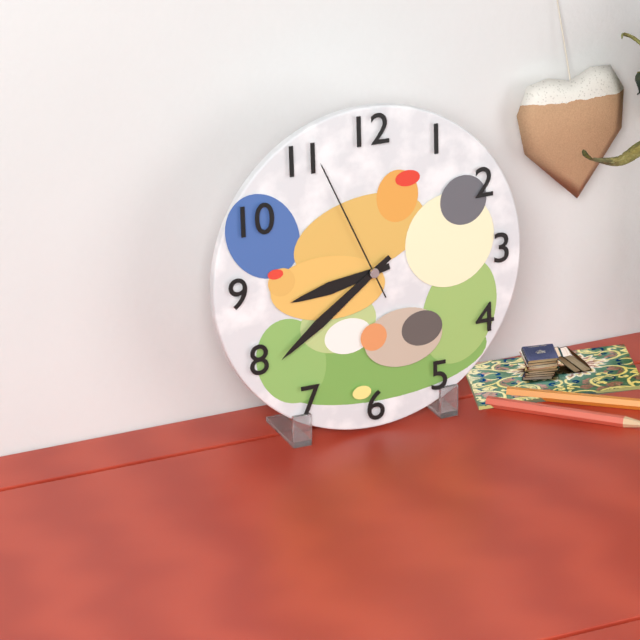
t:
8 h 39 min 56 s
